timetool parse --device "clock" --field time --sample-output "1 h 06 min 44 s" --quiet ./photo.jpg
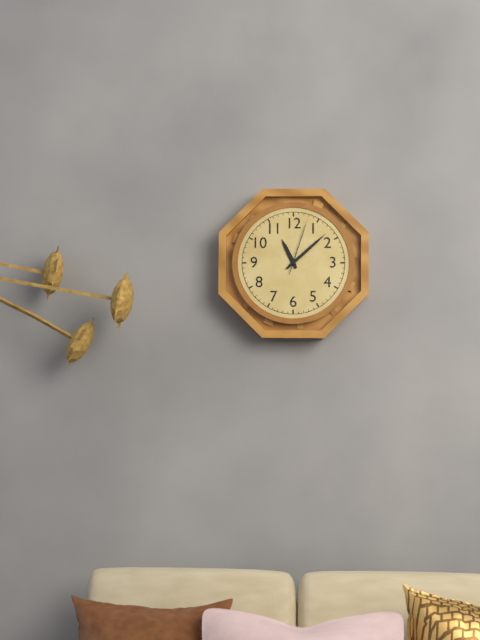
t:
11 h 08 min 03 s
